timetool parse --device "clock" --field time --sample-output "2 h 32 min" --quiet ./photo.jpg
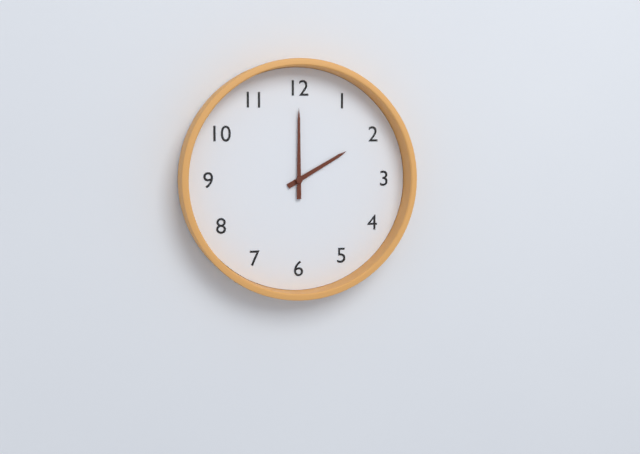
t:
2 h 00 min
